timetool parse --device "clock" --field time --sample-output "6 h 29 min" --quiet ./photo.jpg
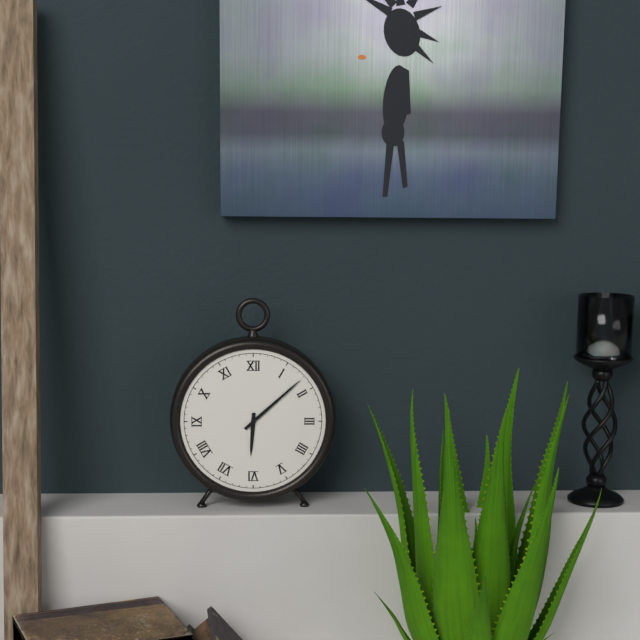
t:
6 h 08 min
